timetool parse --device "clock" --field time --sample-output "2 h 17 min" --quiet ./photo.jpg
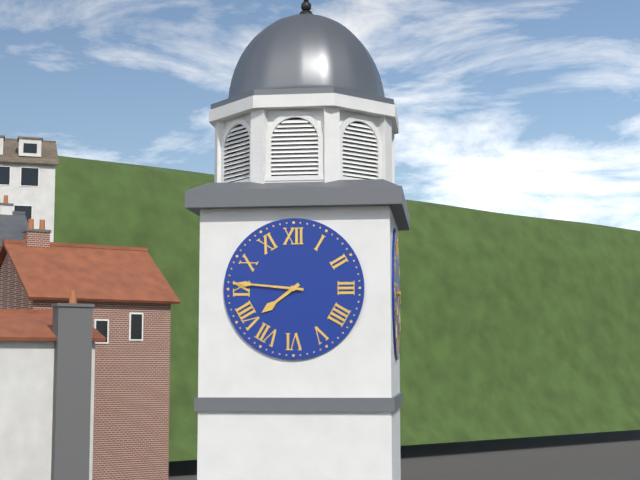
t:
7 h 46 min
